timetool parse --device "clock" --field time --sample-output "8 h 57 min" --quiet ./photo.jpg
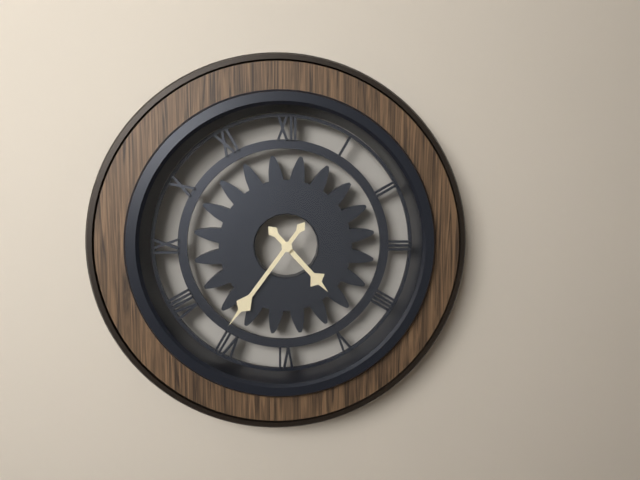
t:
4 h 36 min
